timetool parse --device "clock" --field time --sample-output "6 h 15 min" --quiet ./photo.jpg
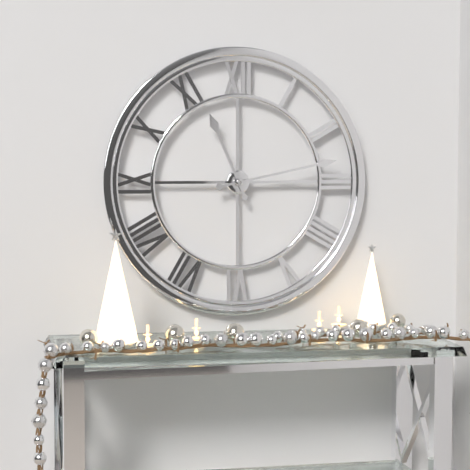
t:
11 h 13 min
